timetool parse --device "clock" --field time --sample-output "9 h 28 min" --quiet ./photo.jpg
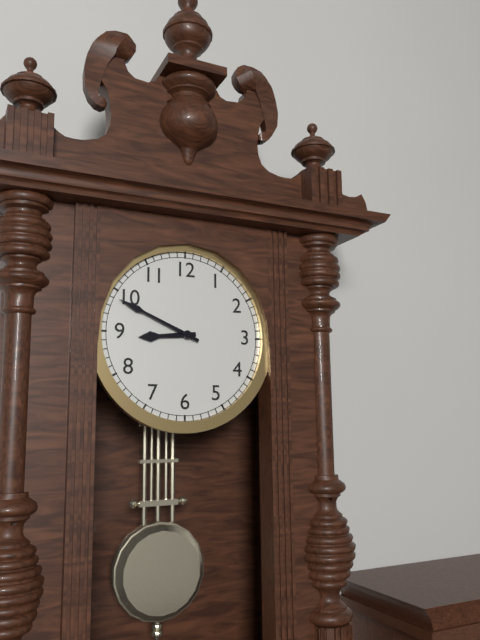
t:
8 h 49 min
